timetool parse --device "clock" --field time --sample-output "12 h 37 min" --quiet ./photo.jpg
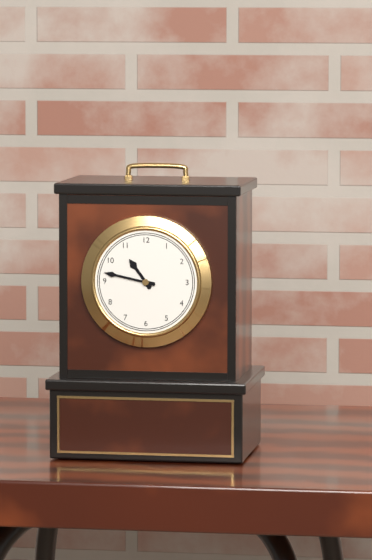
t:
10 h 47 min
